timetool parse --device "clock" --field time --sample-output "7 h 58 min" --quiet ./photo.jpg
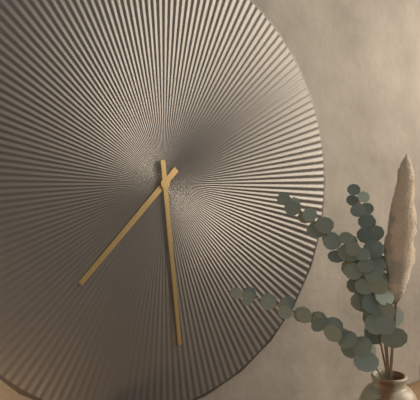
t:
7 h 29 min
